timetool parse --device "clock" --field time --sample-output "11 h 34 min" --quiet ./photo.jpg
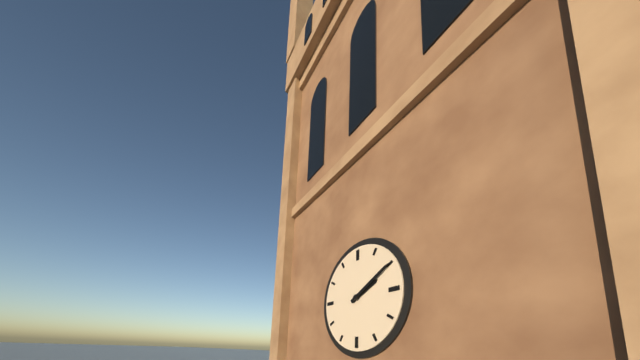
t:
2 h 10 min
